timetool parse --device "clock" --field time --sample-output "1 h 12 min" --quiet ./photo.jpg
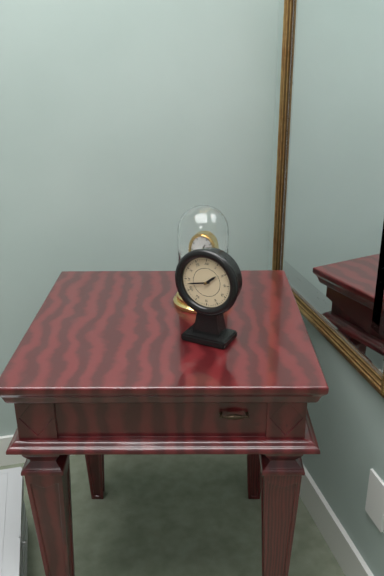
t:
1 h 43 min
